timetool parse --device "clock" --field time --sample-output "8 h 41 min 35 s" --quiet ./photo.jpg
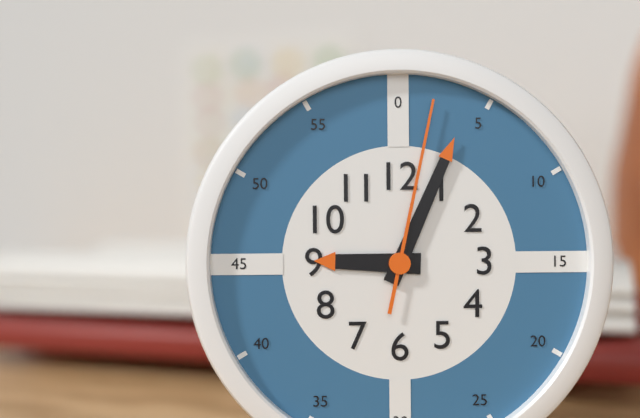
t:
9 h 04 min 02 s
